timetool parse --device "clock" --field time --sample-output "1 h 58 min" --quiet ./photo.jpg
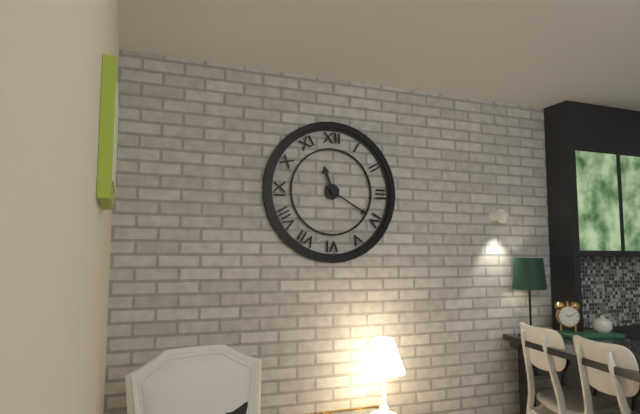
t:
11 h 20 min
